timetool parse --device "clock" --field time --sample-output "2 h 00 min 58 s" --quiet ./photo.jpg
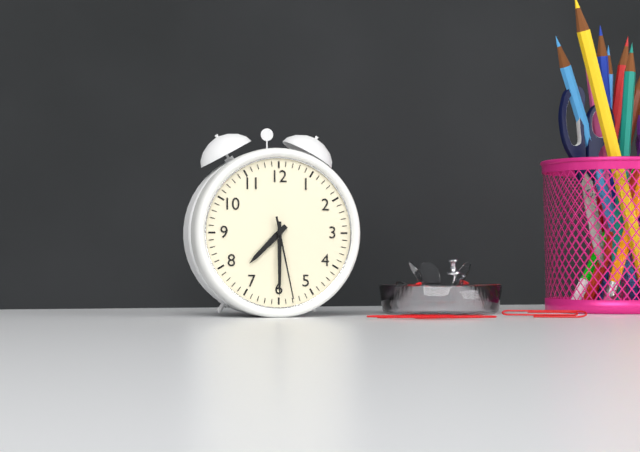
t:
7 h 30 min 28 s
